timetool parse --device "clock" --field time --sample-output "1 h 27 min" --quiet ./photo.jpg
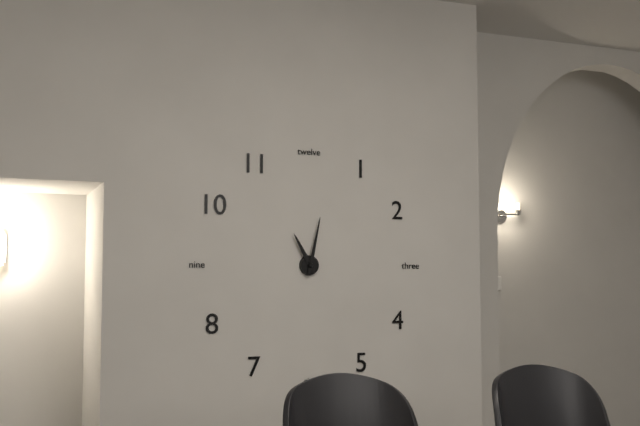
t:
11 h 02 min
